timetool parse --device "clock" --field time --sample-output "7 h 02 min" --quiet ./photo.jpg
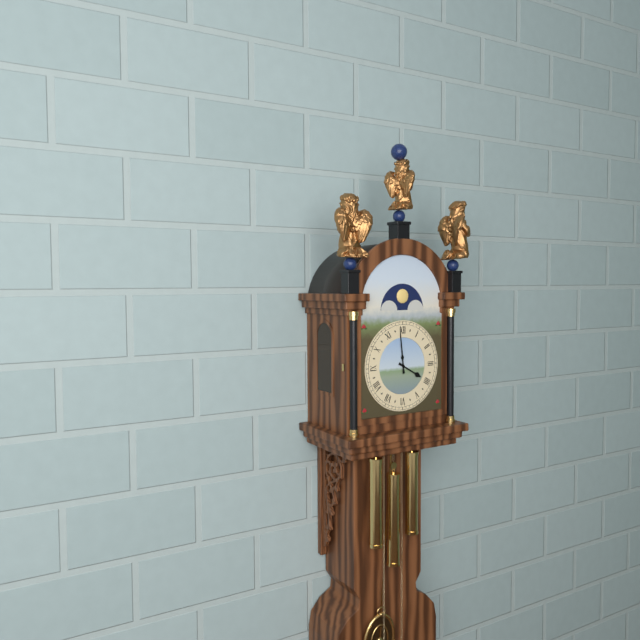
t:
3 h 59 min
